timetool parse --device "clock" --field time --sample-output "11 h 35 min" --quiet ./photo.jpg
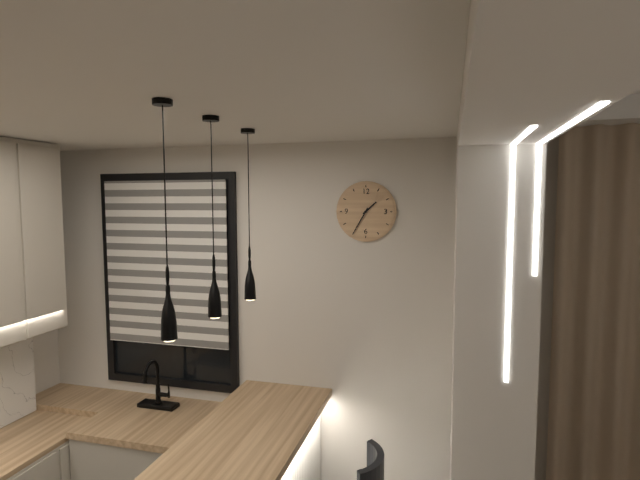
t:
1 h 35 min
